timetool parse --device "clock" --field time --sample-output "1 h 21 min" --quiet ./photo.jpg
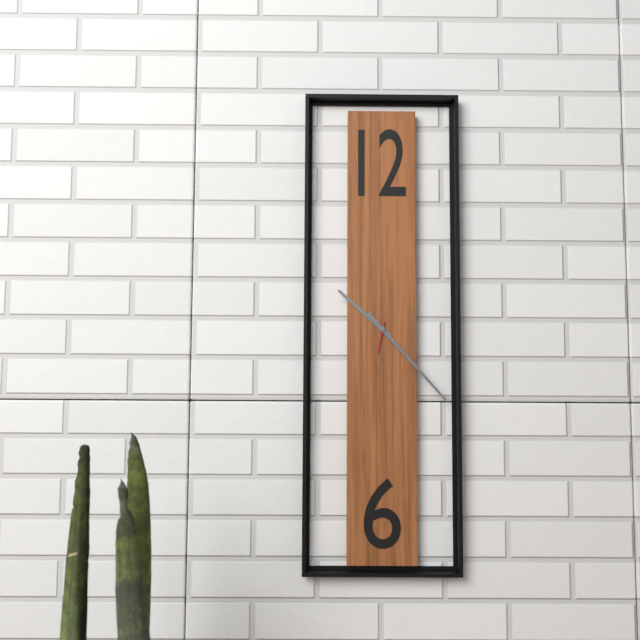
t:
10 h 23 min
